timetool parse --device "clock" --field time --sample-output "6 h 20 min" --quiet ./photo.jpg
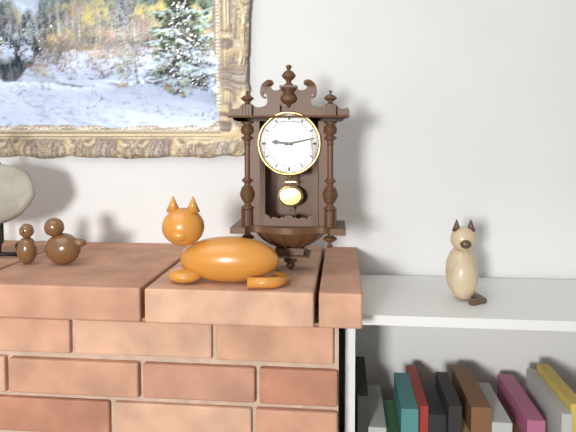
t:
9 h 13 min
